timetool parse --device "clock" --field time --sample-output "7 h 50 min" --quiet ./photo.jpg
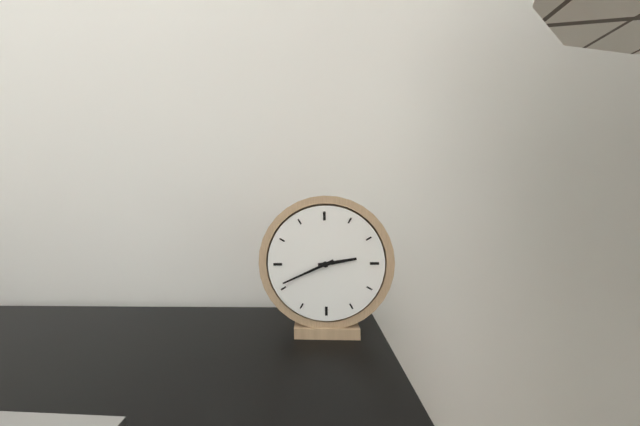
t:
2 h 41 min
